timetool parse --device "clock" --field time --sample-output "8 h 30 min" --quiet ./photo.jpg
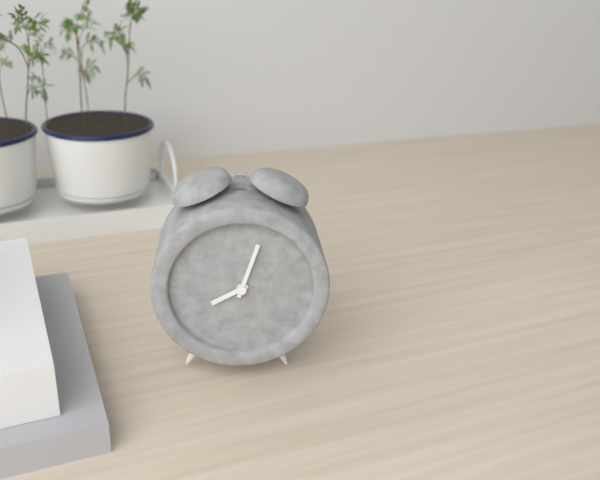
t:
8 h 03 min
